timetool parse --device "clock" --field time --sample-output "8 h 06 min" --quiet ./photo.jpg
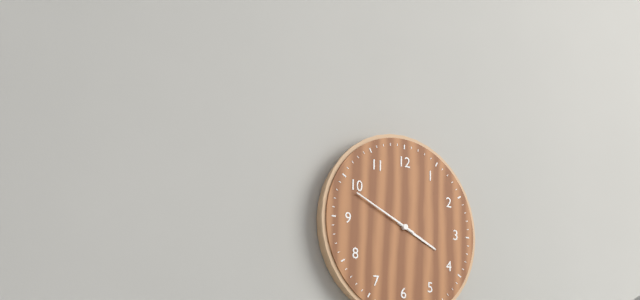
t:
3 h 49 min
